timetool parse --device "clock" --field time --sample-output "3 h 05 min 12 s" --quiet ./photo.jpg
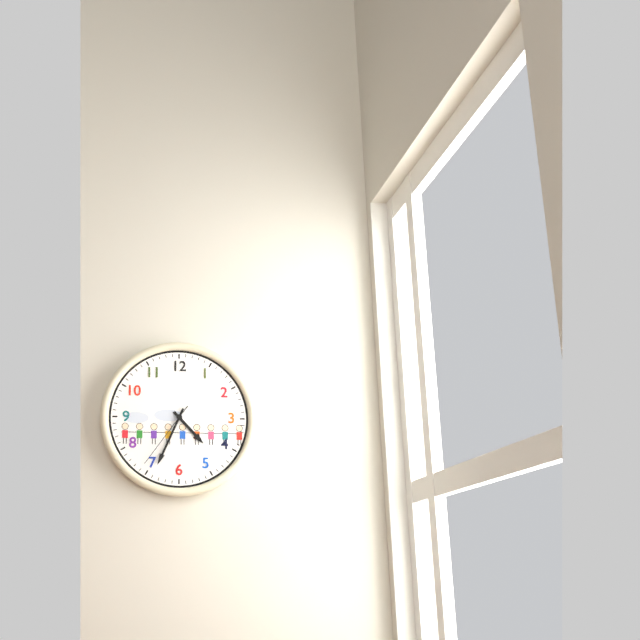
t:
4 h 34 min 36 s
